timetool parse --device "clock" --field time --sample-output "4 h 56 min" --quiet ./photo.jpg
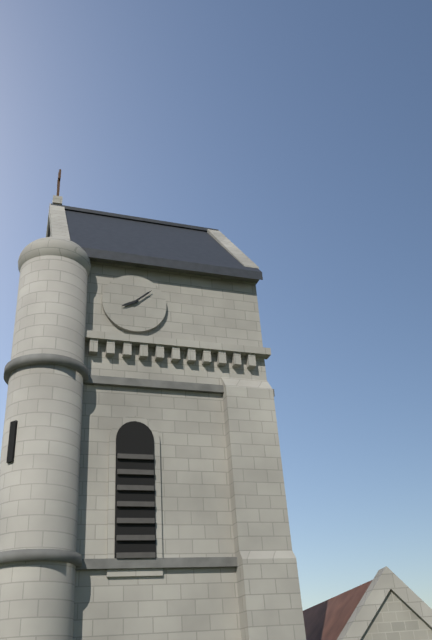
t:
8 h 08 min
